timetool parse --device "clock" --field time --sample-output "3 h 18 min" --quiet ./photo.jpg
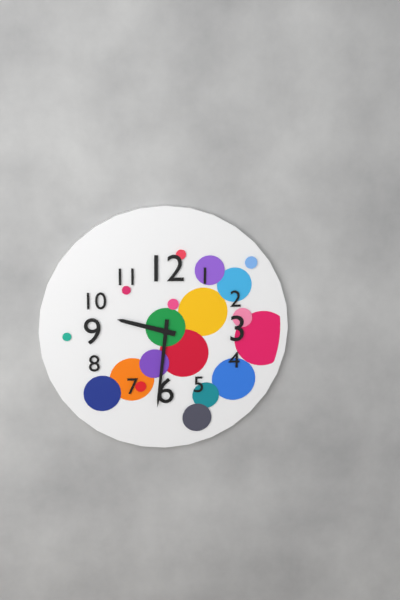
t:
9 h 31 min
